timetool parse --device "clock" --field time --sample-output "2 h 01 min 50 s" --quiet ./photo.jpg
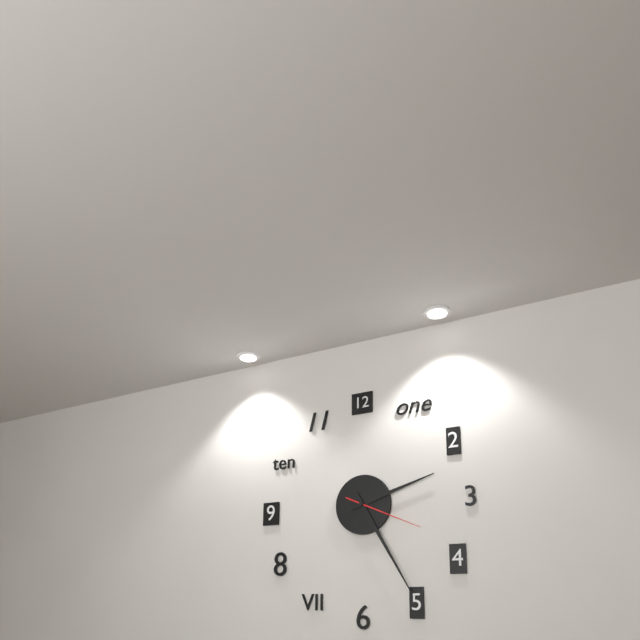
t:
2 h 25 min 19 s
